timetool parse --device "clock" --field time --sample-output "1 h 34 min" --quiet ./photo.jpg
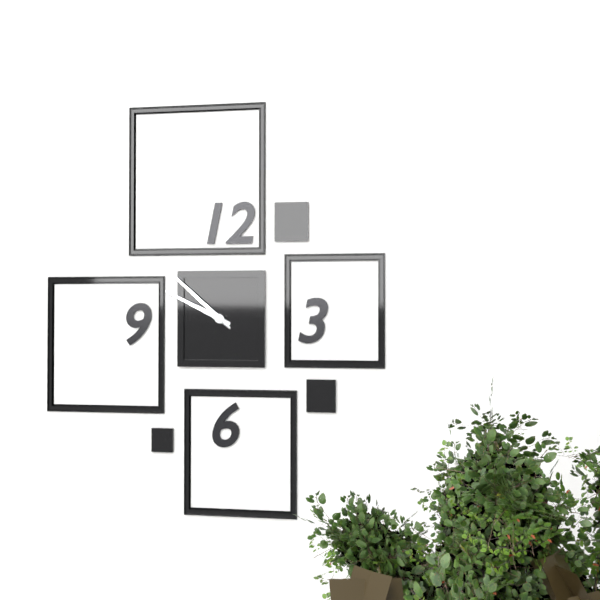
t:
9 h 52 min
